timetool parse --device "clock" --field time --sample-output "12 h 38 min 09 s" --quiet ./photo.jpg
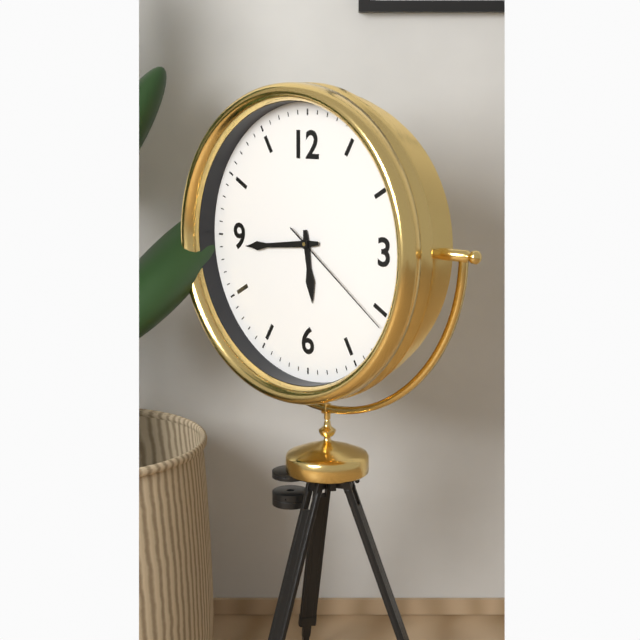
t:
5 h 44 min 21 s
